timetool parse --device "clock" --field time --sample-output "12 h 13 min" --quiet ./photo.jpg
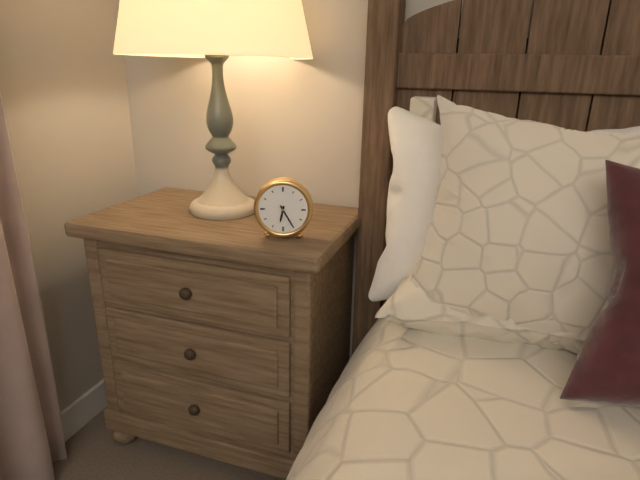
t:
6 h 25 min
